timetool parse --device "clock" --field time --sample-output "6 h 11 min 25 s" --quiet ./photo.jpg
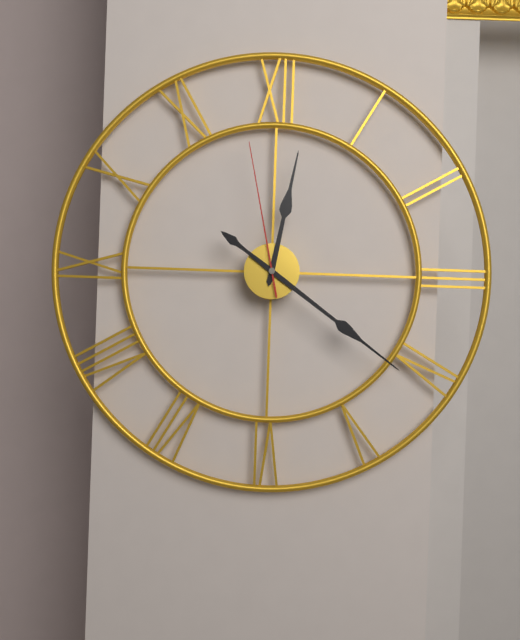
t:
12 h 21 min 58 s
